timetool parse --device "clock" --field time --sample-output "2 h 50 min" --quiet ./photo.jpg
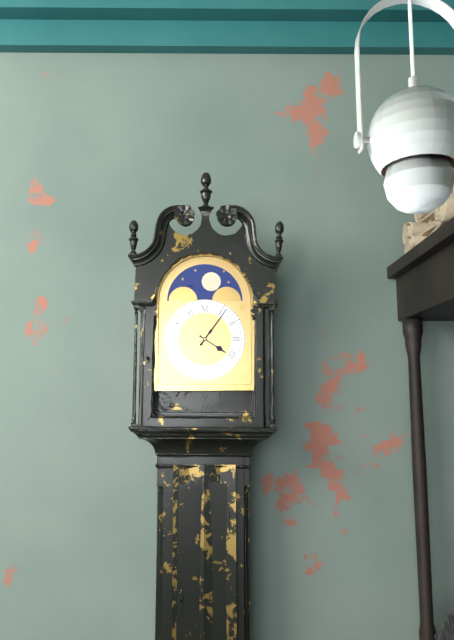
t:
4 h 06 min
